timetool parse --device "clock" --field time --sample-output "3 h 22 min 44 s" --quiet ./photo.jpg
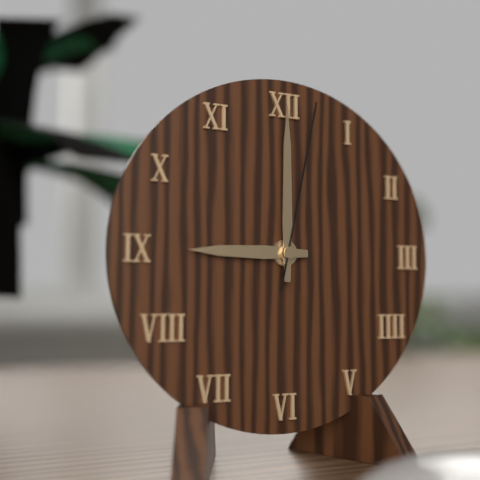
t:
9 h 00 min 02 s
